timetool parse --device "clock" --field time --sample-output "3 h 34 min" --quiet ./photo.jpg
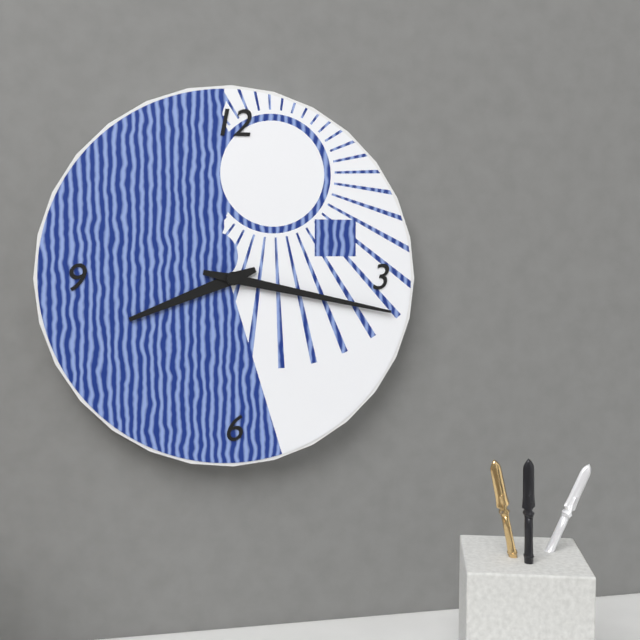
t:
8 h 17 min
